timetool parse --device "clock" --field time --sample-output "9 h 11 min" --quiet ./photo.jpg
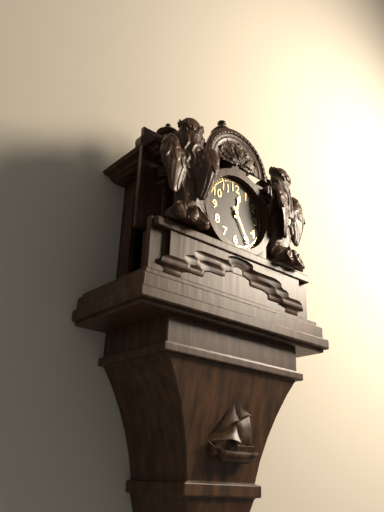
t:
12 h 25 min
